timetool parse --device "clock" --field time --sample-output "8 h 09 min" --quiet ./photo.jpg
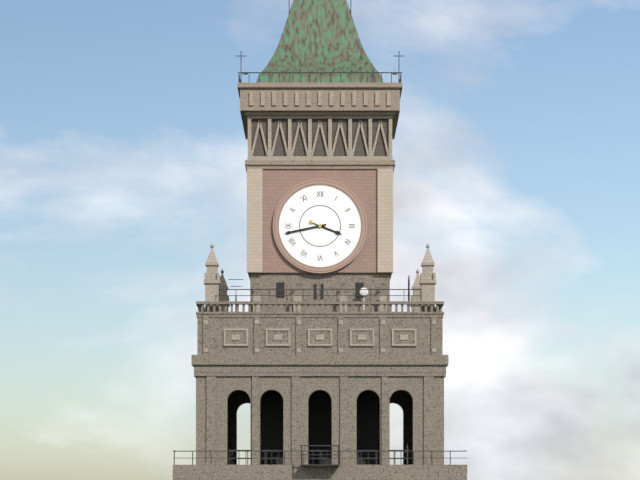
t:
3 h 43 min
